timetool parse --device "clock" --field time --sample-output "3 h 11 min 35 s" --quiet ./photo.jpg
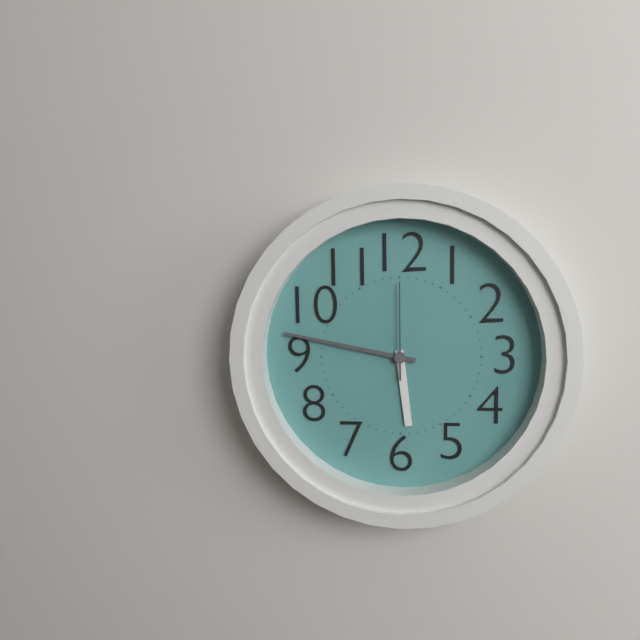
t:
5 h 47 min 00 s
